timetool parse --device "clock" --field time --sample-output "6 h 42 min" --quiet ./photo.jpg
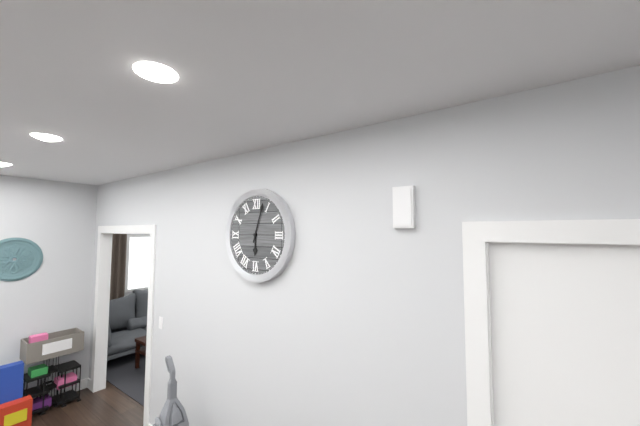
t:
6 h 03 min
